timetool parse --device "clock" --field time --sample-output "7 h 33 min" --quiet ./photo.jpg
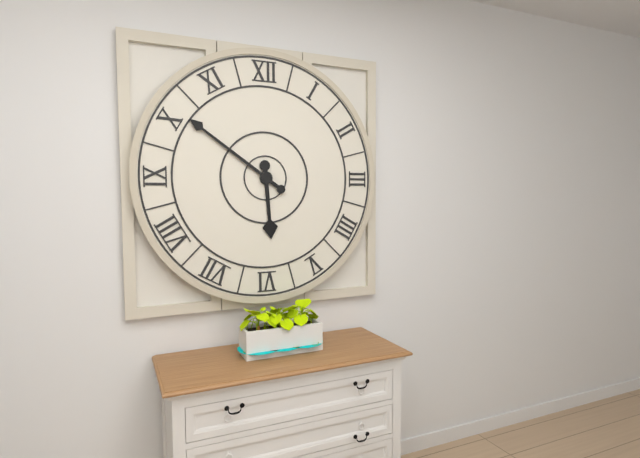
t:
5 h 51 min
